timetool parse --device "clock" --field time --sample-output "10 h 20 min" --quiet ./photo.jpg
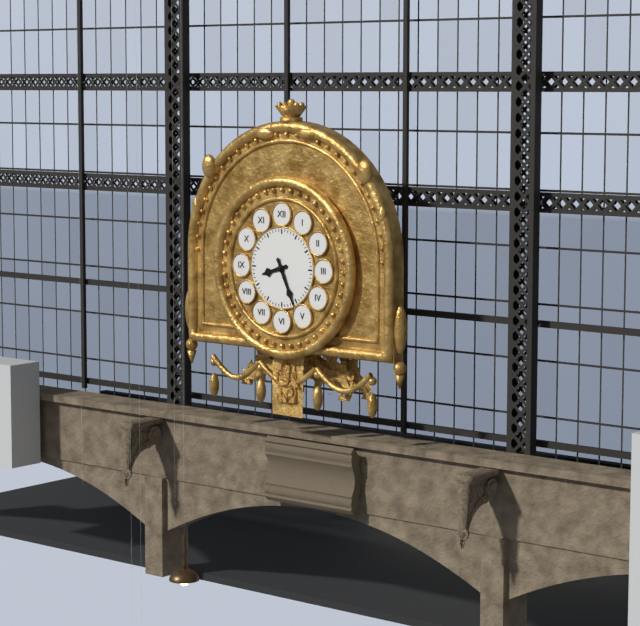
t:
8 h 26 min
